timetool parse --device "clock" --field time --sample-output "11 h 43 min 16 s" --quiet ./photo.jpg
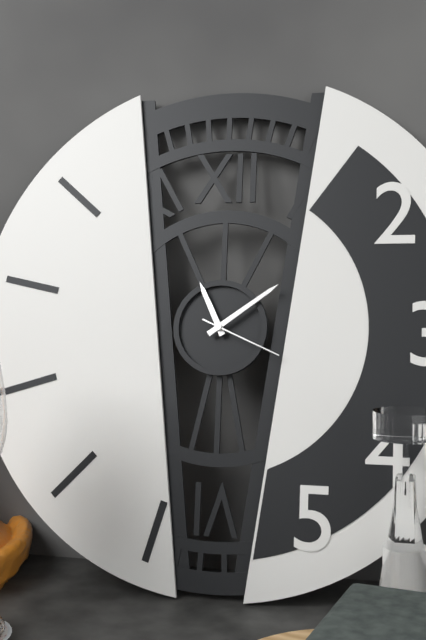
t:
11 h 09 min 19 s
